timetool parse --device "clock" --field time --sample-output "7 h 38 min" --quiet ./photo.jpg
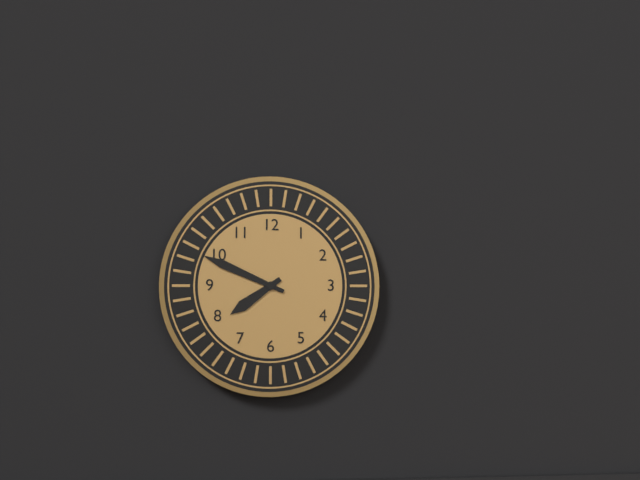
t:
7 h 49 min
